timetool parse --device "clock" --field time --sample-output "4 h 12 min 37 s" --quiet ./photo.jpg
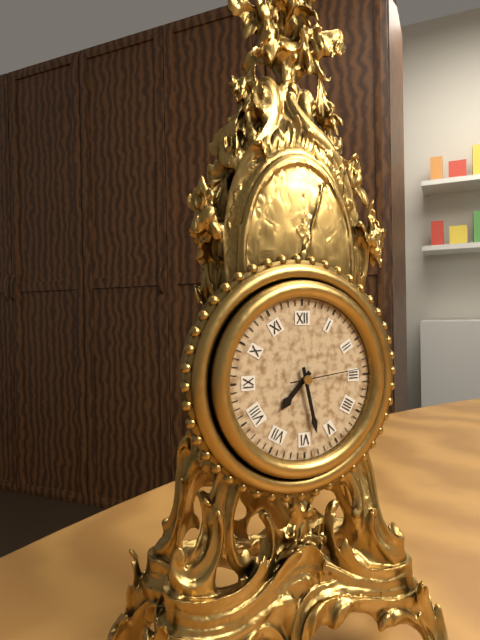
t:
7 h 28 min 14 s
